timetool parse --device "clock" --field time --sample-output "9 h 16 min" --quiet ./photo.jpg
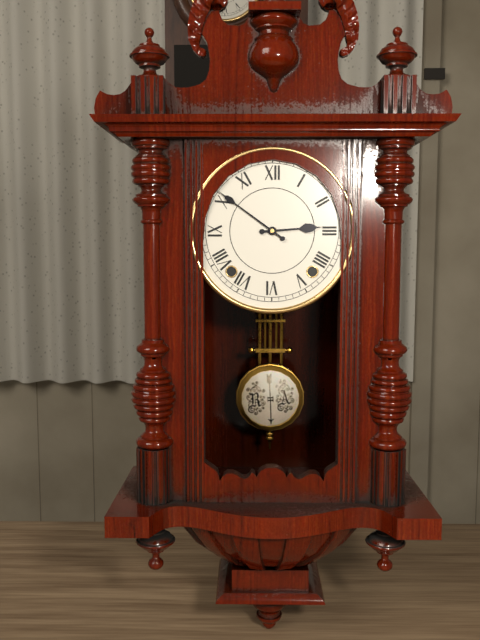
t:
2 h 51 min
